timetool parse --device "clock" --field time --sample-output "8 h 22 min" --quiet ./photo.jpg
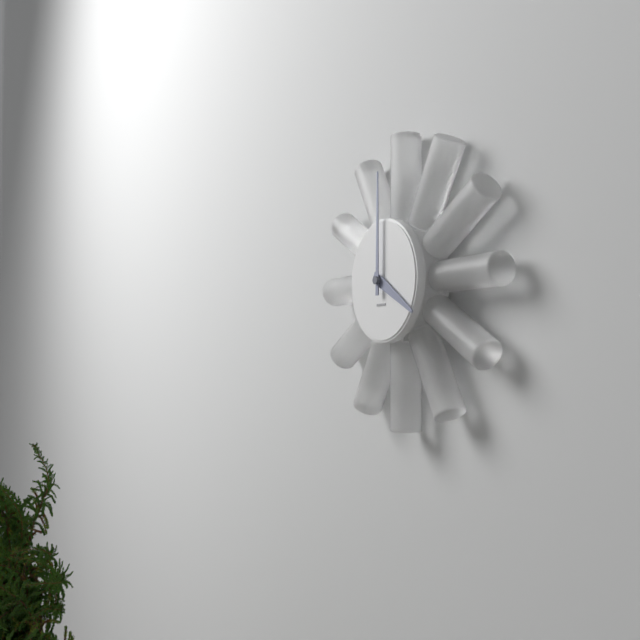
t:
4 h 00 min
